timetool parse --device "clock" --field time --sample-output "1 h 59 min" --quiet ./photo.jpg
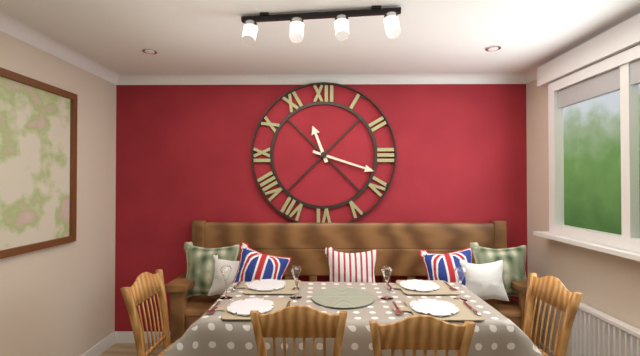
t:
11 h 18 min
